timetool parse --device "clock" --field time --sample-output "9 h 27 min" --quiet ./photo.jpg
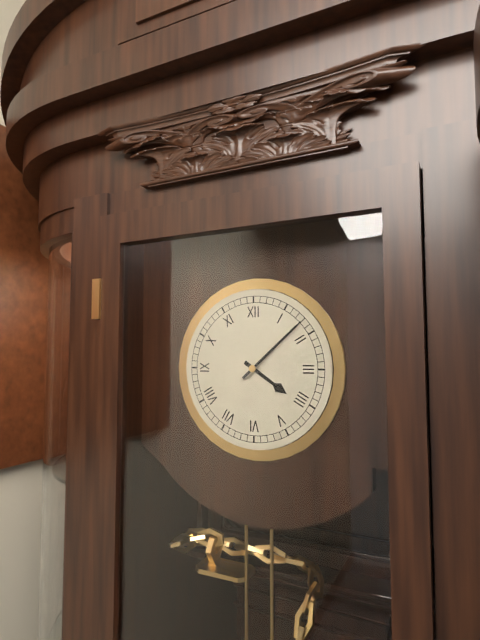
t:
4 h 08 min
